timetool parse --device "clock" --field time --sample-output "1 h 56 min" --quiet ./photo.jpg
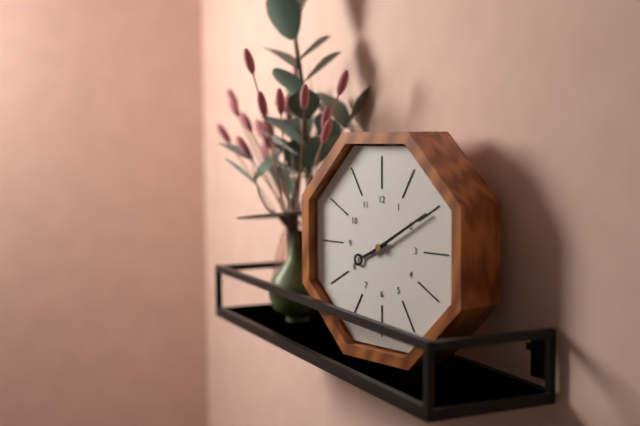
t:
8 h 10 min
